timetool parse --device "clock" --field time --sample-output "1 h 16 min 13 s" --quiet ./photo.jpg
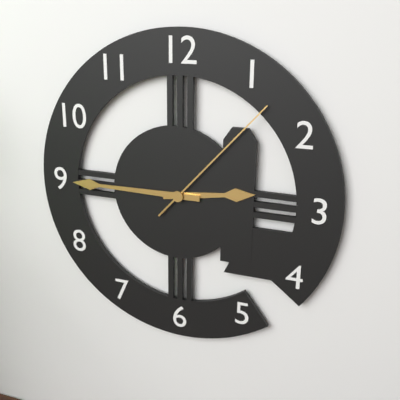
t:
2 h 45 min 07 s
